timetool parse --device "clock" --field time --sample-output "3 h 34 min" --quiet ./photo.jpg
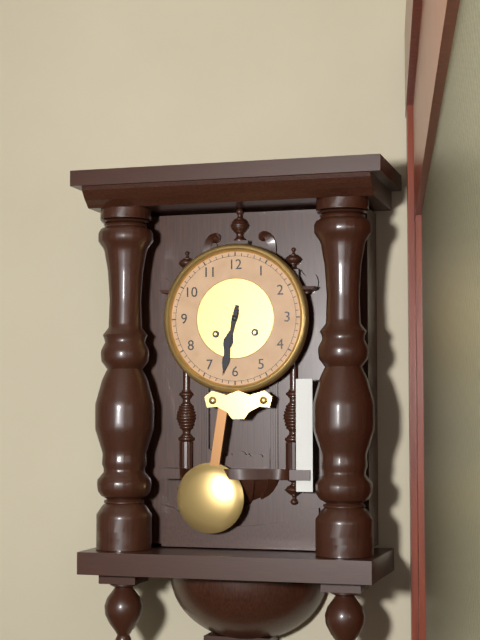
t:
6 h 32 min
